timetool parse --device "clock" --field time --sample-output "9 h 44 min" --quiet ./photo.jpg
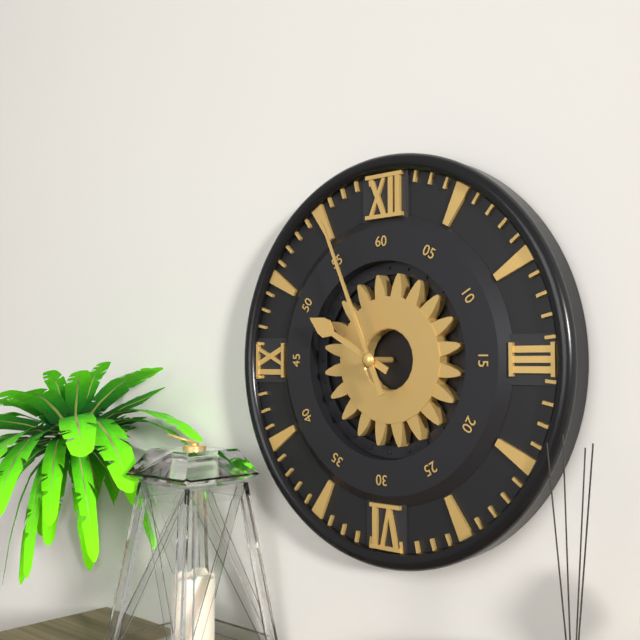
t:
9 h 56 min
